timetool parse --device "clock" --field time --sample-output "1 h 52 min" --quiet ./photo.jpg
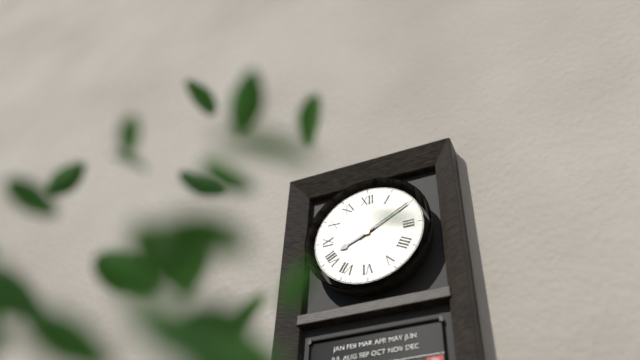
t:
8 h 10 min
